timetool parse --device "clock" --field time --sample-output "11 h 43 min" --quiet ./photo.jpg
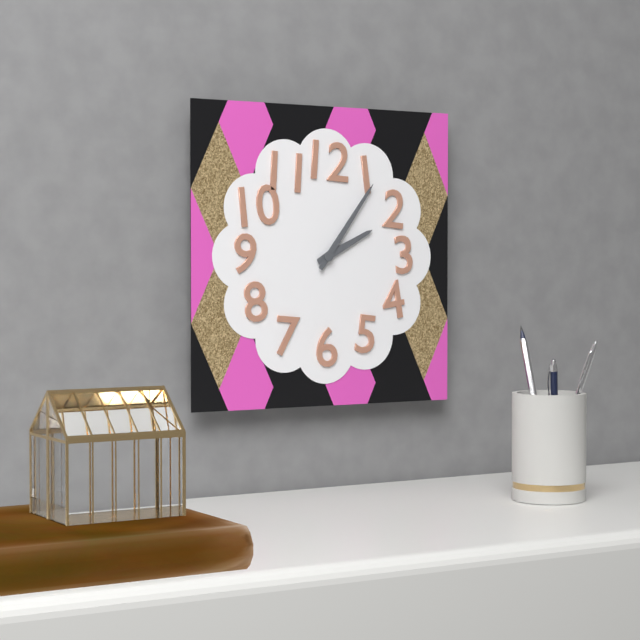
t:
2 h 06 min
